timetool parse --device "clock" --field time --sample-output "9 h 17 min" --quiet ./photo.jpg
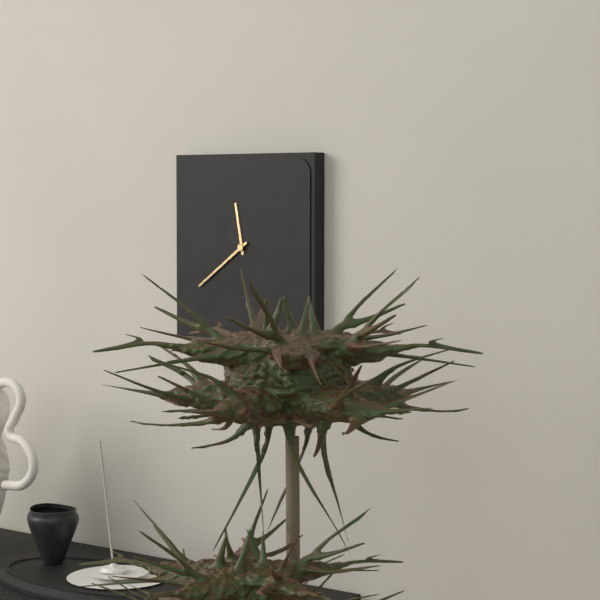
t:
11 h 39 min
